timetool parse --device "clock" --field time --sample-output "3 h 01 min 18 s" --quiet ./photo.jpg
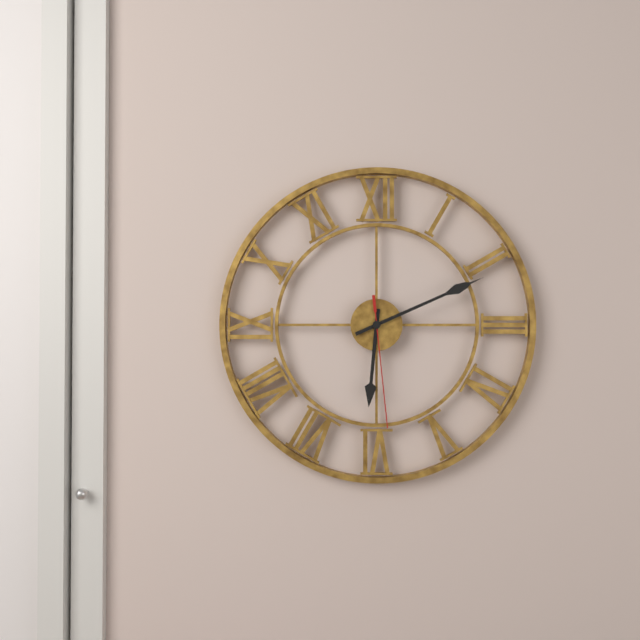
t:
6 h 11 min 29 s
